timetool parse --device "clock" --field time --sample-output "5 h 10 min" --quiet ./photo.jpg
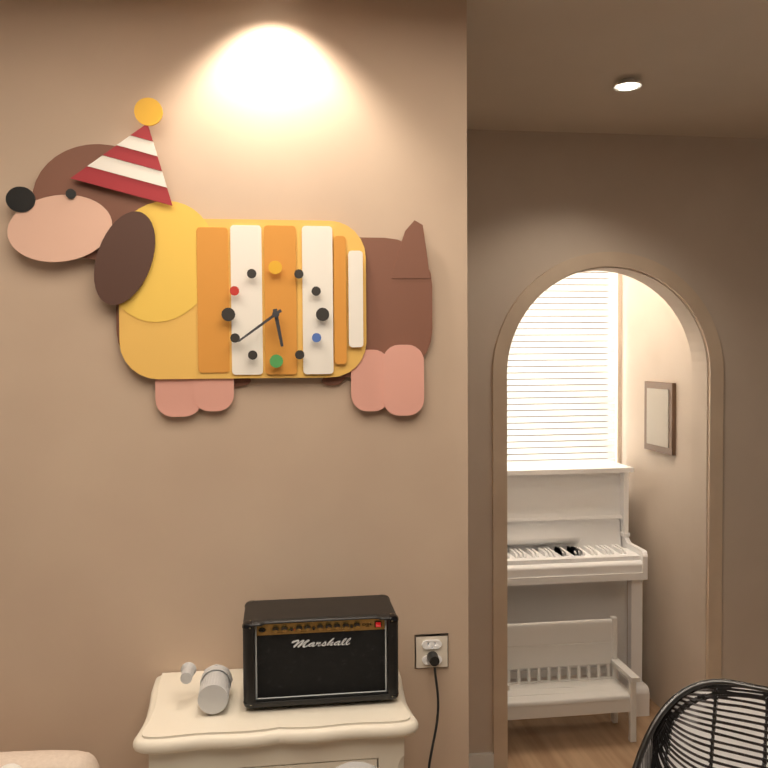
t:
5 h 39 min
